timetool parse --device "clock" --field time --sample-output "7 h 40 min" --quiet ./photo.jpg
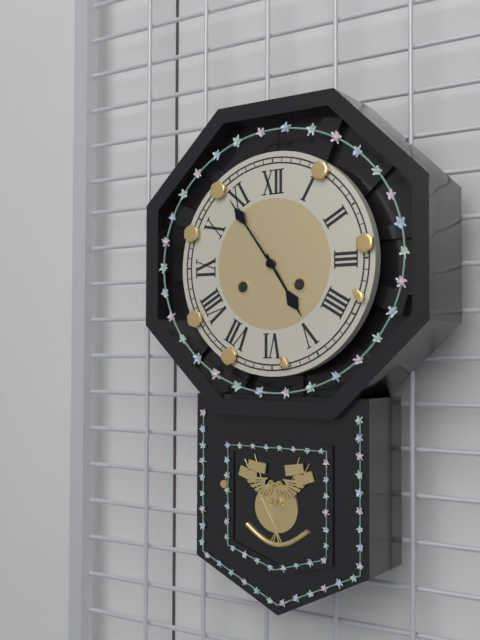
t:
4 h 54 min
